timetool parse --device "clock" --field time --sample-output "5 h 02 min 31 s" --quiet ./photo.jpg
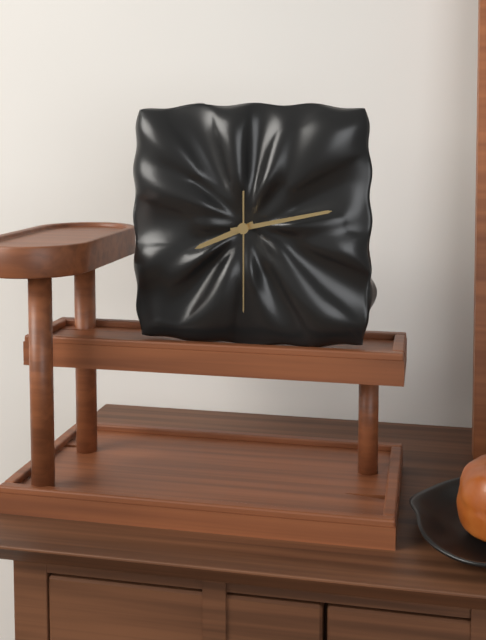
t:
8 h 13 min 30 s
